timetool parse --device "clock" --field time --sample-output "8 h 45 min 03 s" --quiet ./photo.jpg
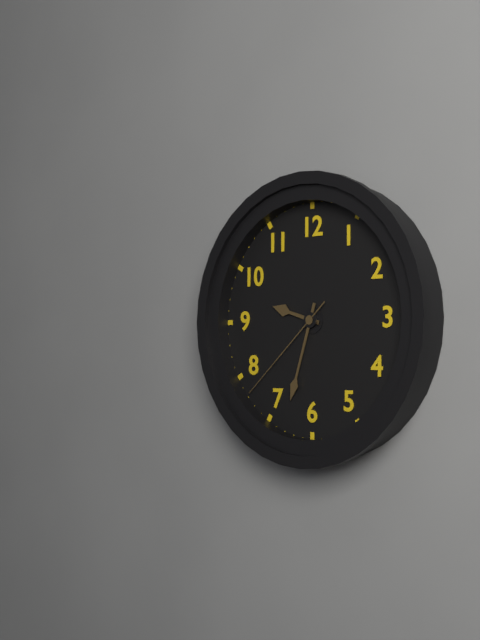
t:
9 h 33 min 38 s
